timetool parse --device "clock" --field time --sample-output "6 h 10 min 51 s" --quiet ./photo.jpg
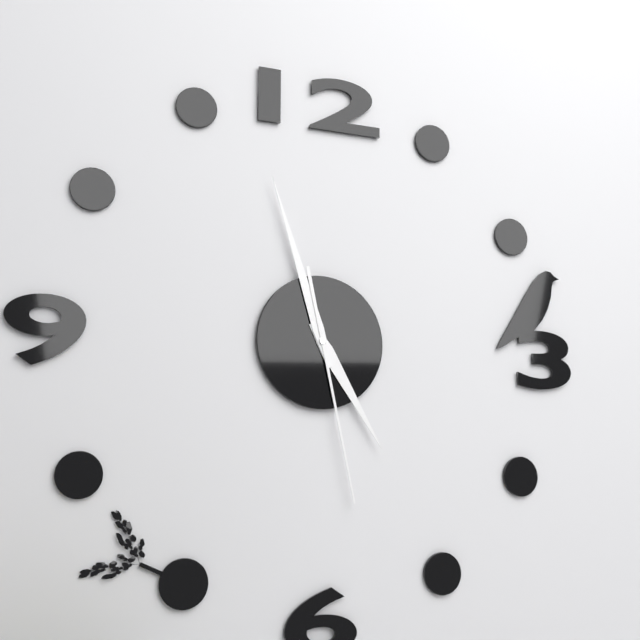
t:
4 h 57 min 28 s
